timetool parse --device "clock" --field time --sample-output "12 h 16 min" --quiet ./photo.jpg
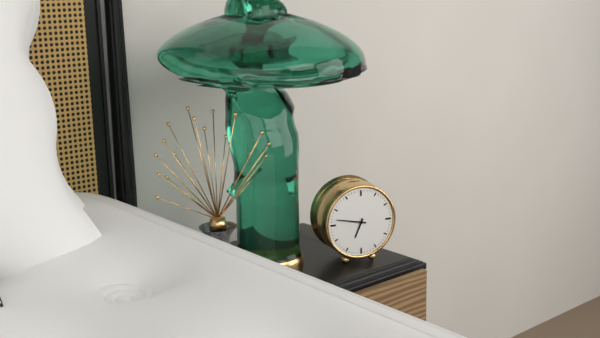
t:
6 h 47 min
